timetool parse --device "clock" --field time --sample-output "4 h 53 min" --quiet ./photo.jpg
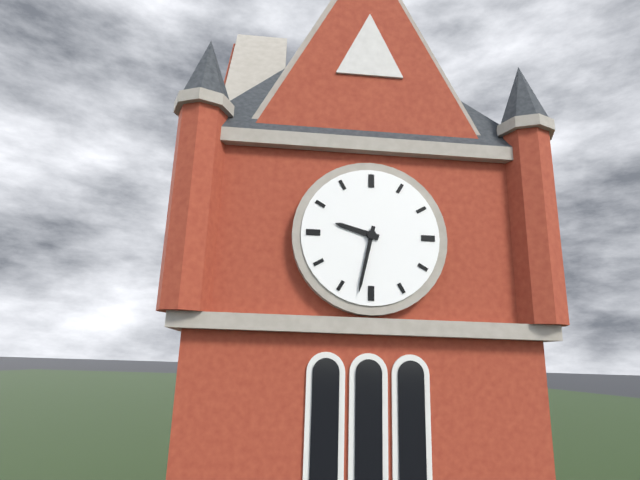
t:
9 h 32 min
